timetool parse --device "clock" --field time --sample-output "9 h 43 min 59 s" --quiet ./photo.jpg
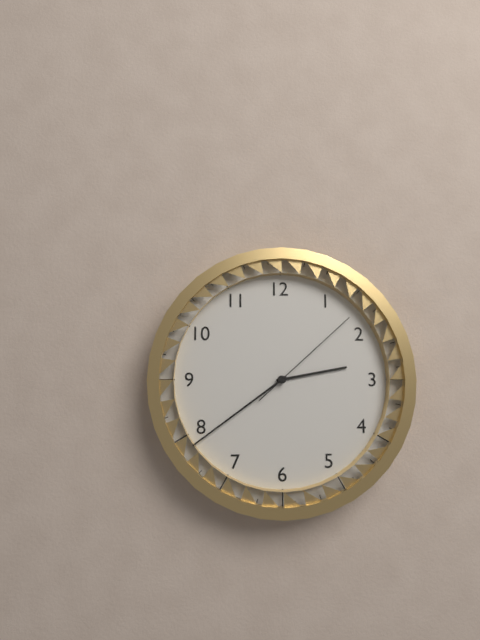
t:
2 h 39 min 08 s
